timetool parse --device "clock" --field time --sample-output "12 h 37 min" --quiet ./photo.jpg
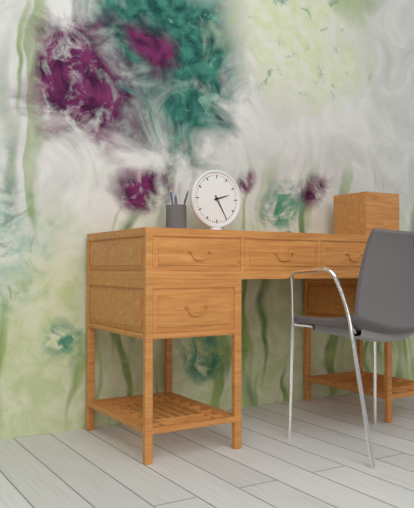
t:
2 h 25 min
